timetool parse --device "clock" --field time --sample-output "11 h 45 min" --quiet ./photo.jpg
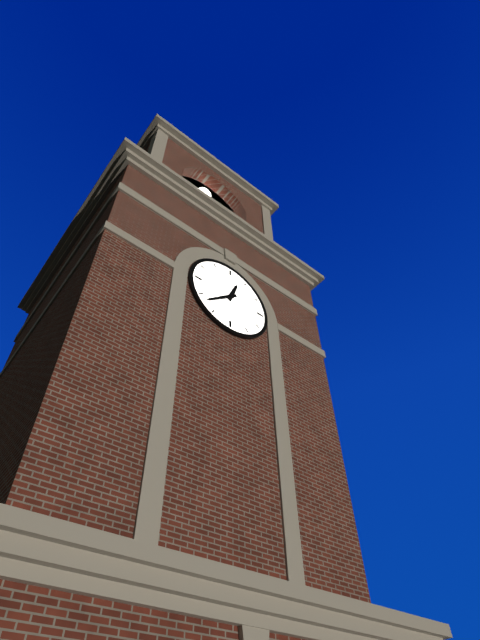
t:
12 h 38 min
